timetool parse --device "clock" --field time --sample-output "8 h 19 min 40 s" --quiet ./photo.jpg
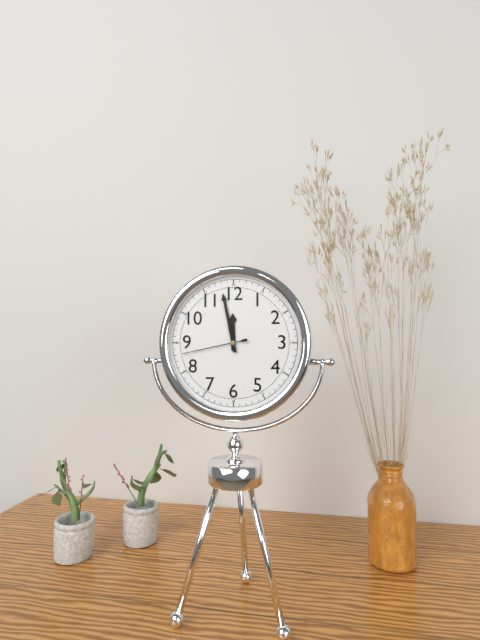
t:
11 h 58 min 43 s
